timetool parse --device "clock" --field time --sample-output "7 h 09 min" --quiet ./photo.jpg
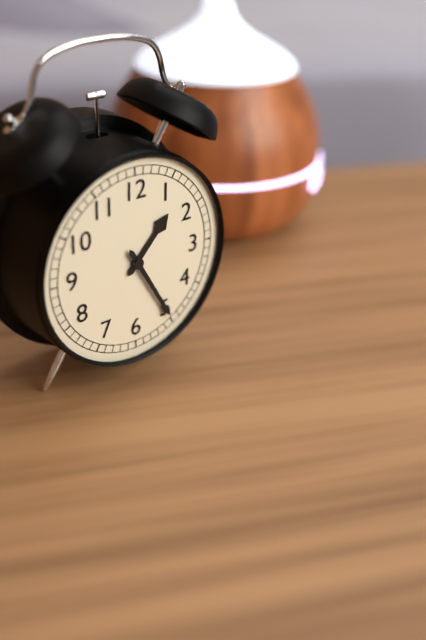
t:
1 h 25 min
